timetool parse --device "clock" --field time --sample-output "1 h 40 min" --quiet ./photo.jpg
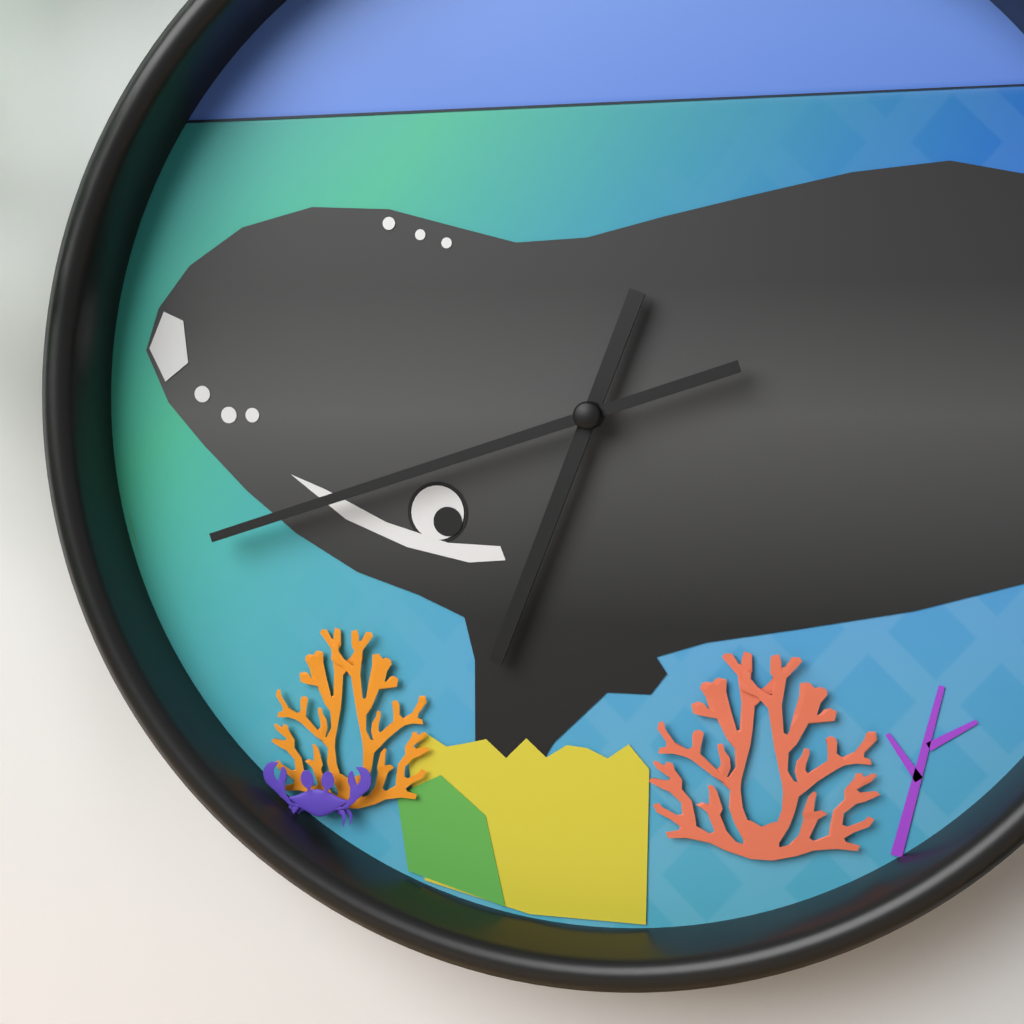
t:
6 h 42 min
